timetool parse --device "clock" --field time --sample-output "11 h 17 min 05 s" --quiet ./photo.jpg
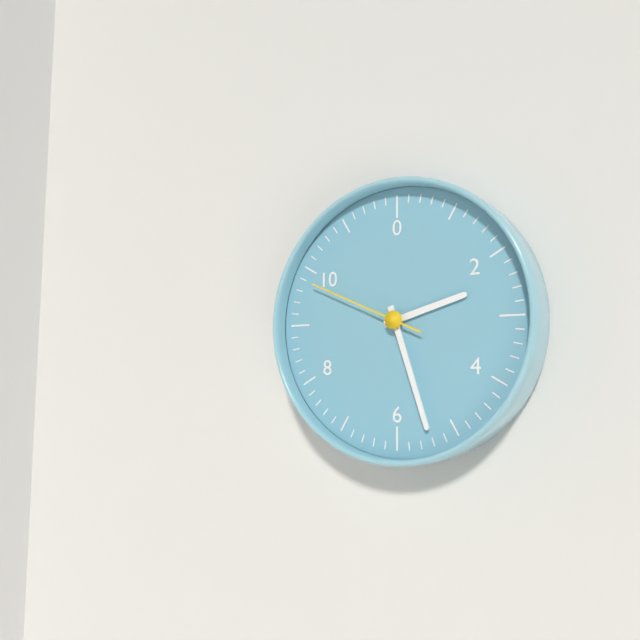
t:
2 h 27 min 49 s
